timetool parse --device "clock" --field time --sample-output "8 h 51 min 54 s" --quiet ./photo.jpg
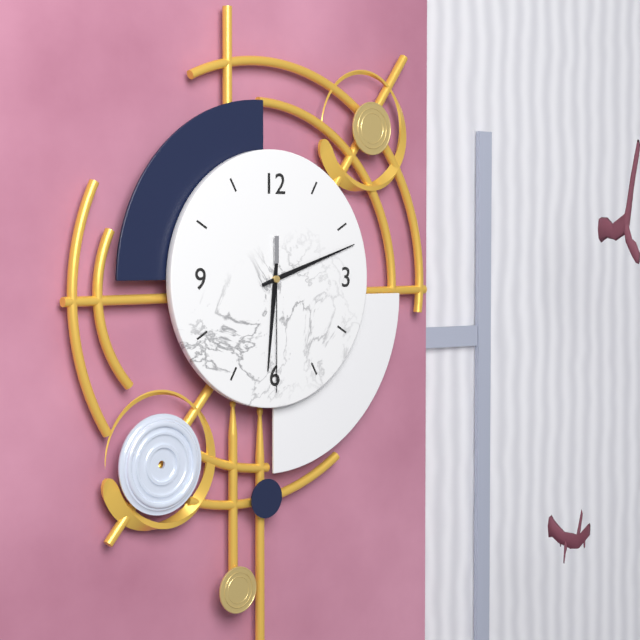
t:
6 h 12 min 30 s
